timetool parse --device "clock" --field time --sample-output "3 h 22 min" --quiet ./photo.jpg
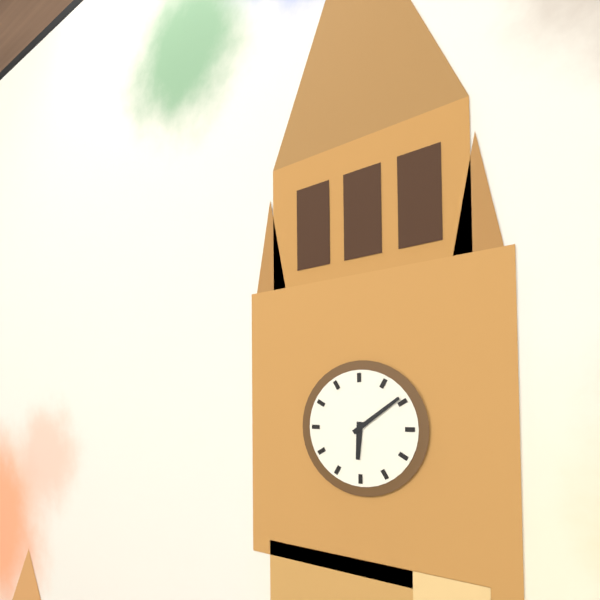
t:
6 h 09 min
